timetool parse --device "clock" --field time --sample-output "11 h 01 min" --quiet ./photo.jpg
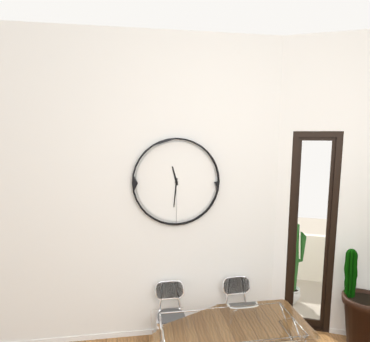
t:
11 h 31 min
